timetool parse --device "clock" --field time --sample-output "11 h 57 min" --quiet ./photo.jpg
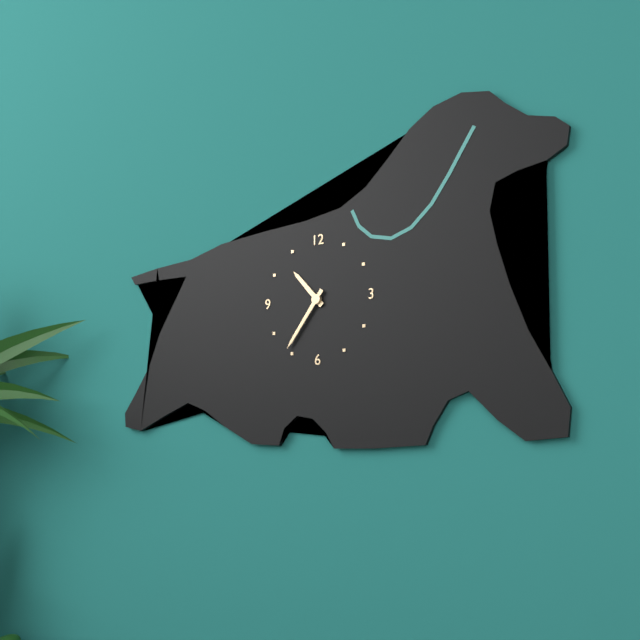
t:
10 h 36 min
